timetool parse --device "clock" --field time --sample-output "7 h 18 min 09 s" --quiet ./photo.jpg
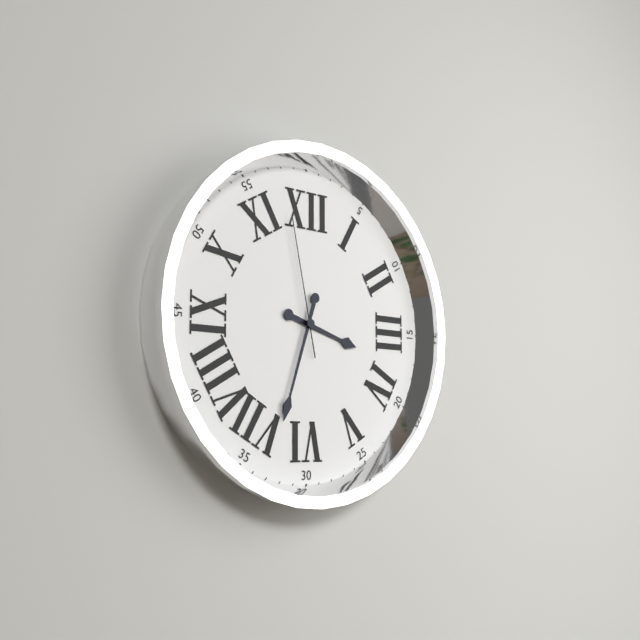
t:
3 h 33 min 58 s
